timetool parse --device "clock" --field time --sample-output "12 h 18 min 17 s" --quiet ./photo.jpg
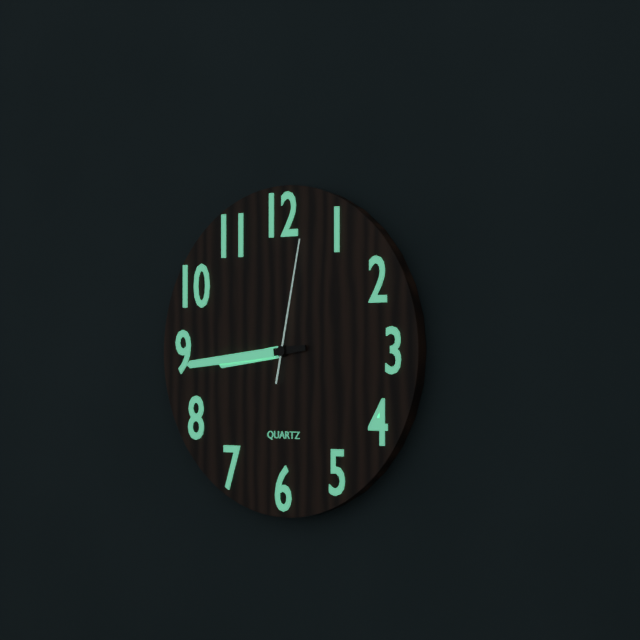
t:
8 h 44 min 02 s
